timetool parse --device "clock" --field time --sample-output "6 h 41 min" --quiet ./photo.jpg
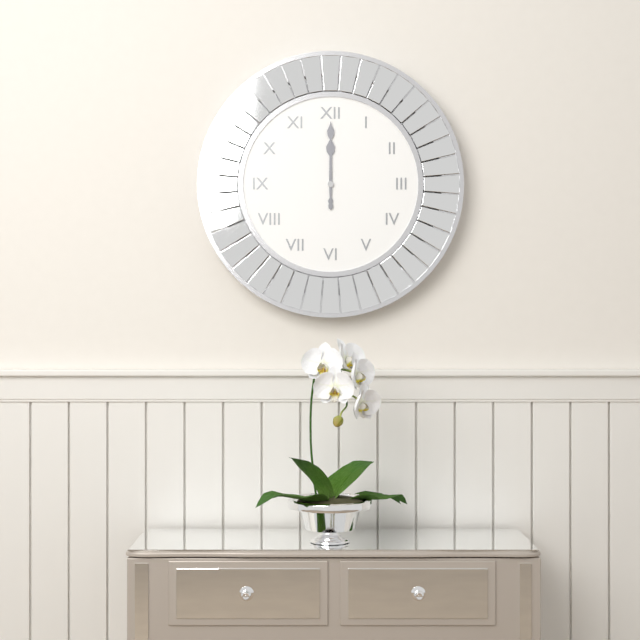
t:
12 h 00 min
